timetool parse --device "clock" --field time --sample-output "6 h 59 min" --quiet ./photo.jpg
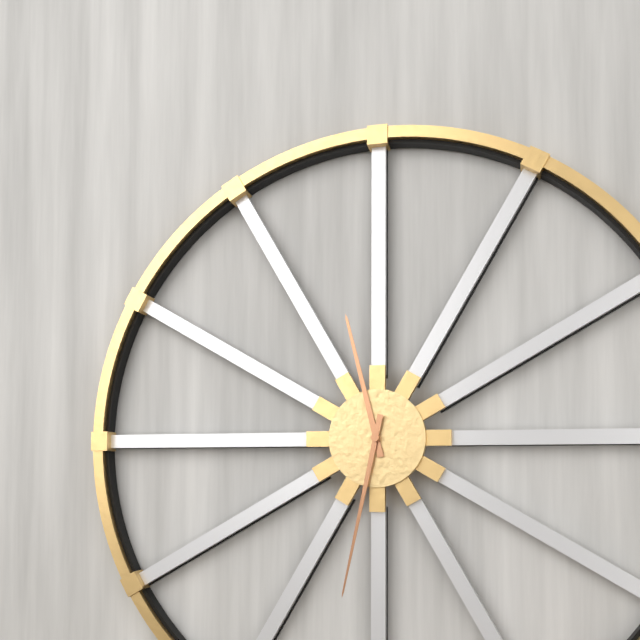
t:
11 h 32 min
